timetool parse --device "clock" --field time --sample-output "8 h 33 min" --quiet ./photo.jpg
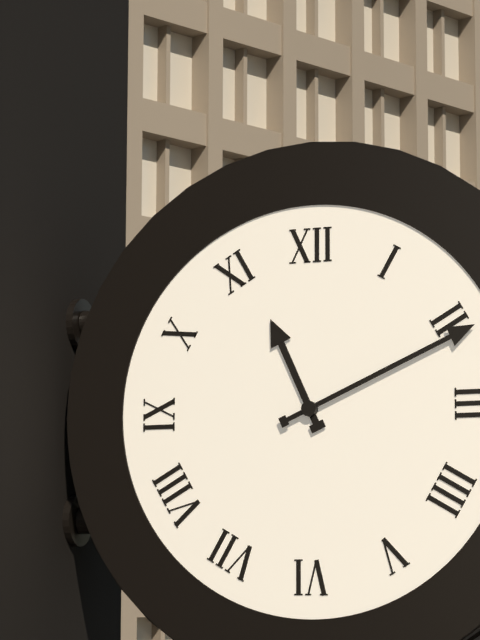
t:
11 h 11 min
